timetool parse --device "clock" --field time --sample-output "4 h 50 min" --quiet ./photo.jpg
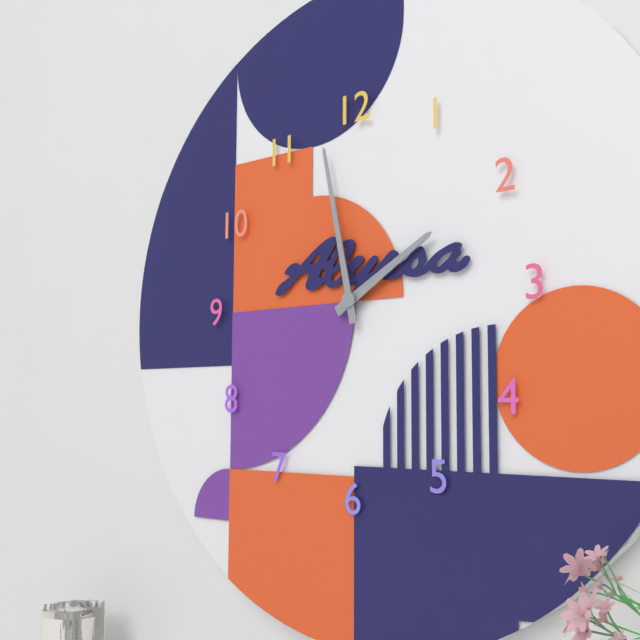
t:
1 h 58 min
